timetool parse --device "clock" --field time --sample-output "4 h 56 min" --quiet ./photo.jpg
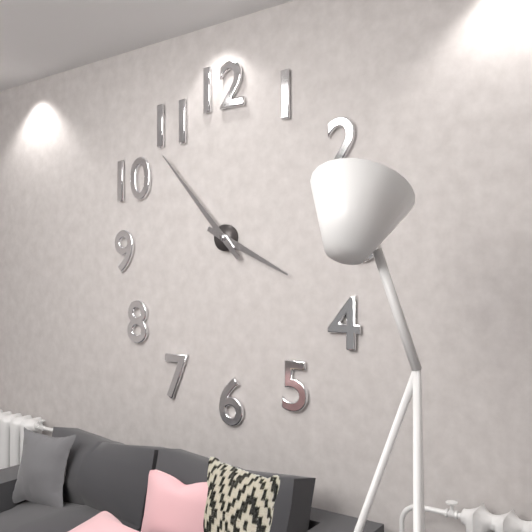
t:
3 h 53 min
